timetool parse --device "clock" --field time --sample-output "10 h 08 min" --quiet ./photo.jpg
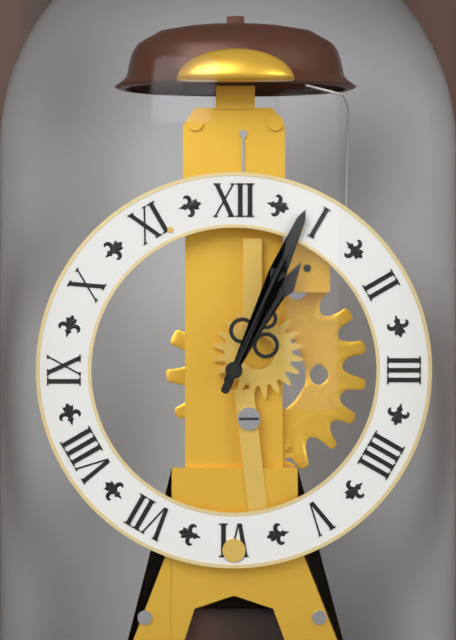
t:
1 h 04 min
